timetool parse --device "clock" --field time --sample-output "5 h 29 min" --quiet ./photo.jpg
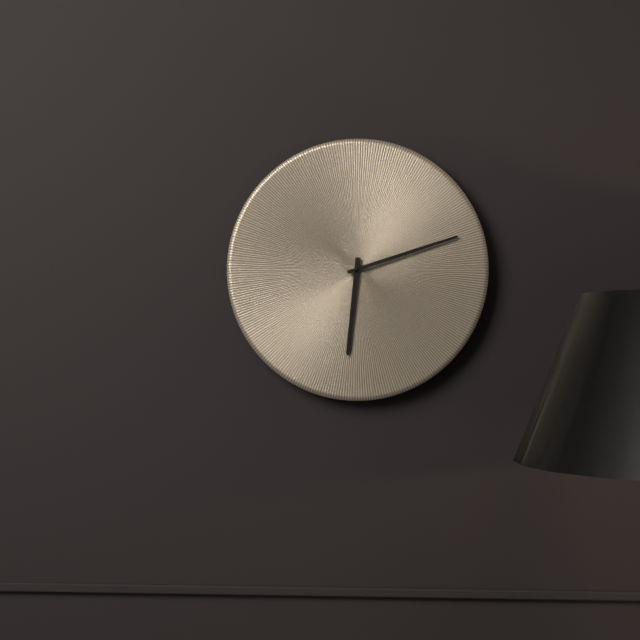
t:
6 h 12 min
